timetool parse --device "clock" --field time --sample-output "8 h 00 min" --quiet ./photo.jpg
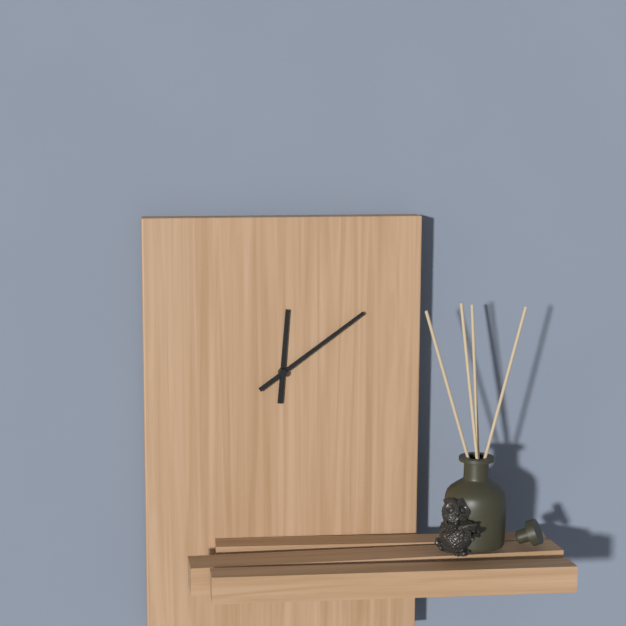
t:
12 h 09 min
